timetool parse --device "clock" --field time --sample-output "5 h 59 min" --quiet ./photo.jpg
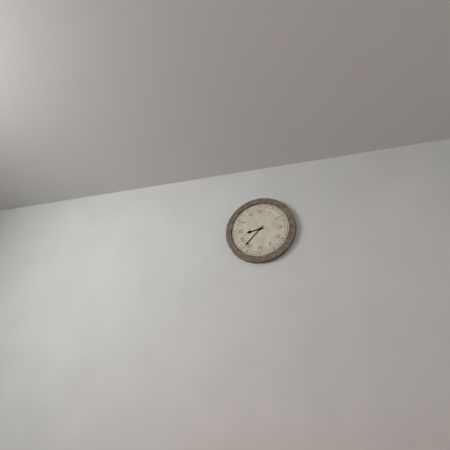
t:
8 h 37 min
